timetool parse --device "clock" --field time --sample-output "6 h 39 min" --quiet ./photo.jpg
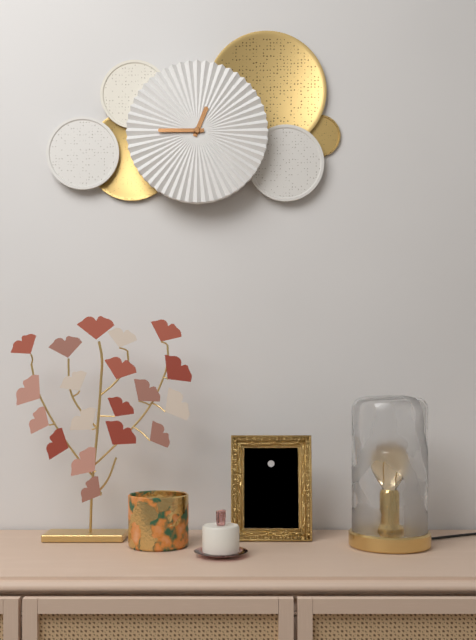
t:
12 h 45 min
